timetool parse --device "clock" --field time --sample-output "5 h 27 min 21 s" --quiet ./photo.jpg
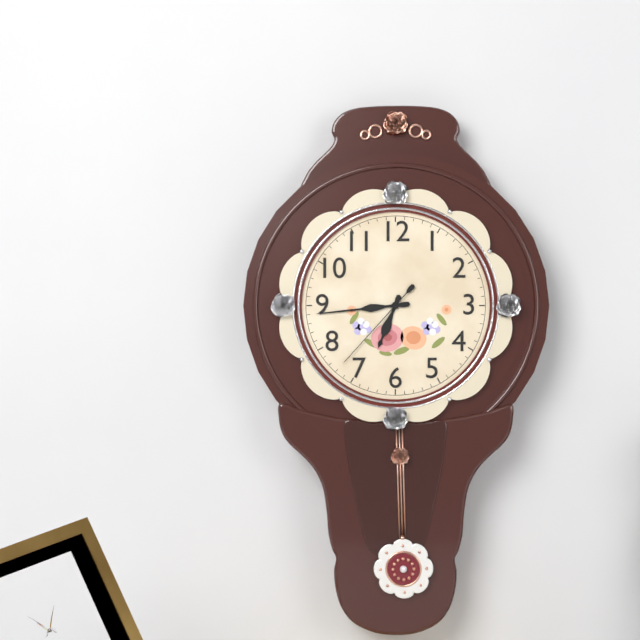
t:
6 h 44 min 37 s
